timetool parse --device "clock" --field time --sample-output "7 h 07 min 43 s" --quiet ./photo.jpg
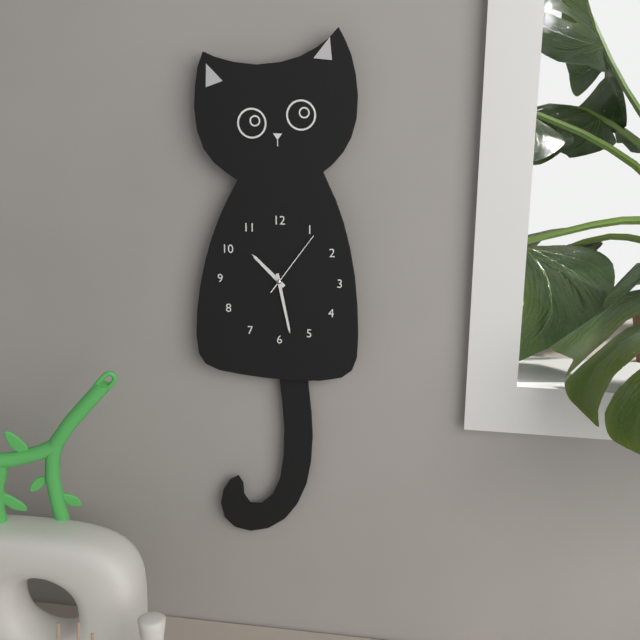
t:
10 h 28 min 06 s
